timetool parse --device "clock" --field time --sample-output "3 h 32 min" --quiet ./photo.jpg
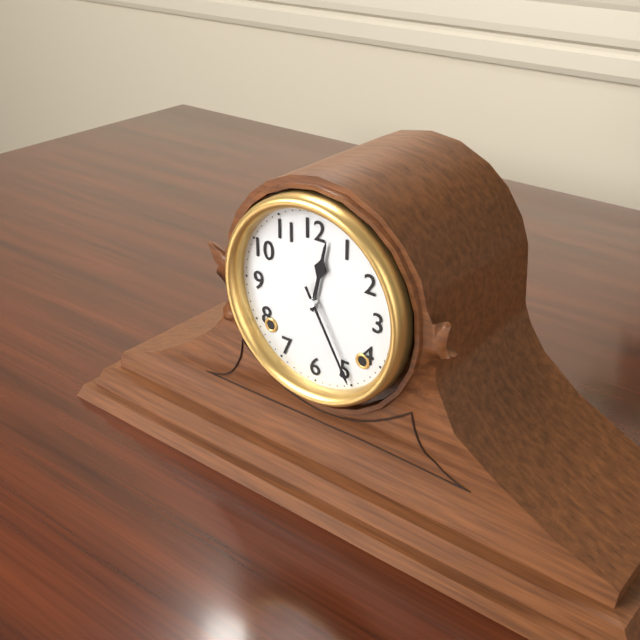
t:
12 h 25 min
